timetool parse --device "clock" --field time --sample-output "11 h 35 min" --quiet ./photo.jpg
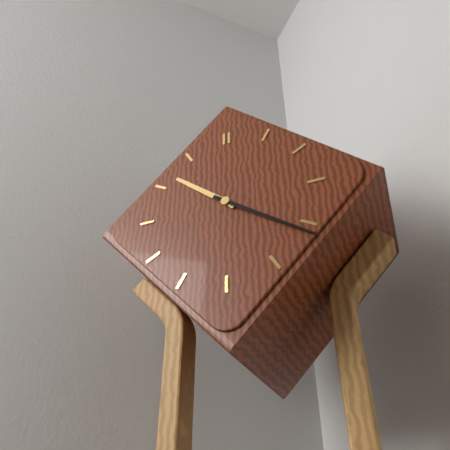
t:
10 h 21 min
